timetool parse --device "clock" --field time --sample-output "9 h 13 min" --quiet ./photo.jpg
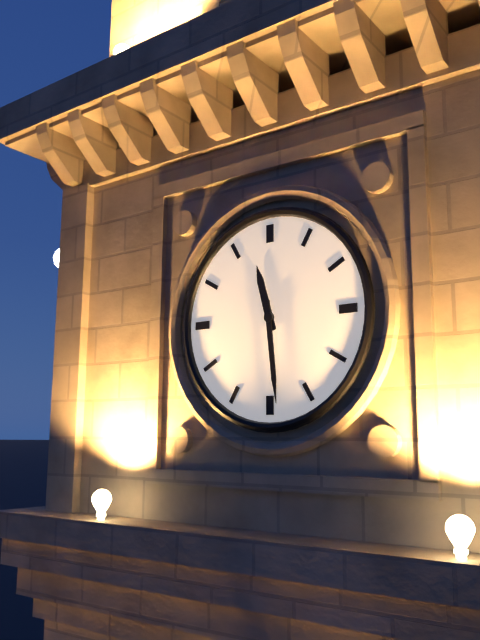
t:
11 h 29 min
